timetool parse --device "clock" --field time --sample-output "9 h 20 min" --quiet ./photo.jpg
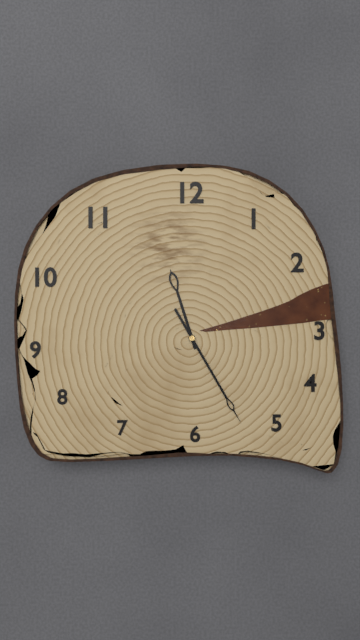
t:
11 h 25 min
